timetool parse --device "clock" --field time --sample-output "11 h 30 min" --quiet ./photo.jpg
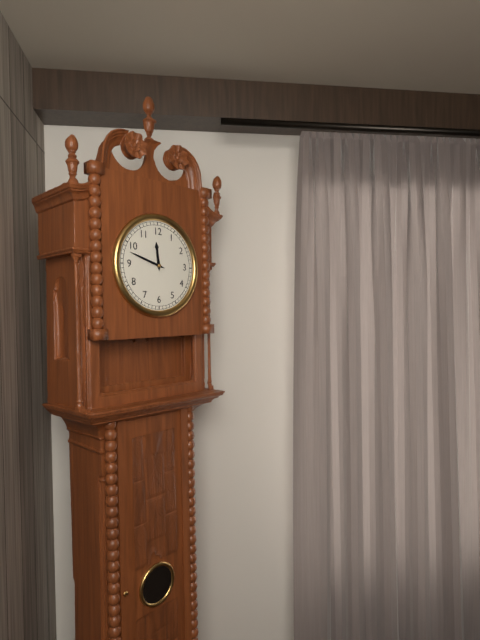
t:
11 h 48 min
